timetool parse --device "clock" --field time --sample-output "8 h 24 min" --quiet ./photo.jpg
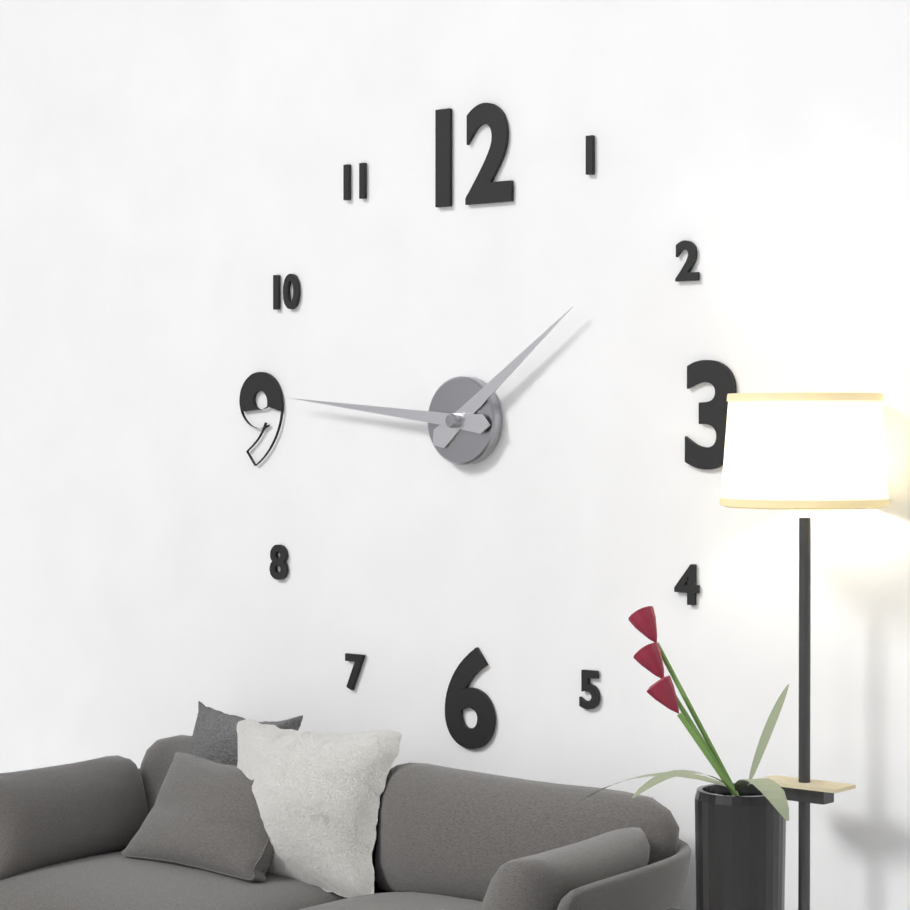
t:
1 h 46 min
